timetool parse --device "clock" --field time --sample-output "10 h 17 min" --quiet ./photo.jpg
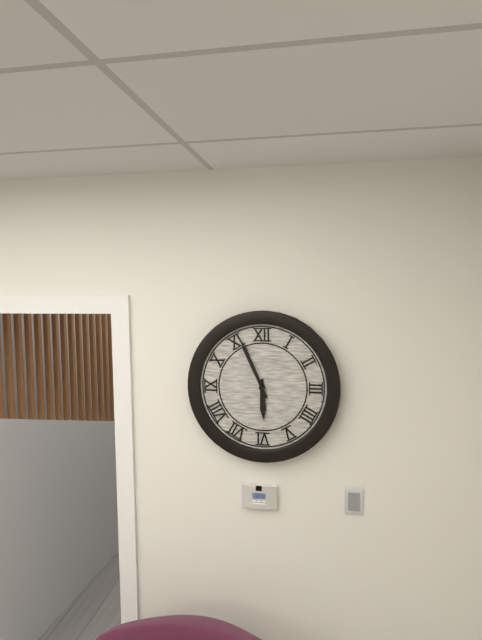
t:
5 h 56 min
